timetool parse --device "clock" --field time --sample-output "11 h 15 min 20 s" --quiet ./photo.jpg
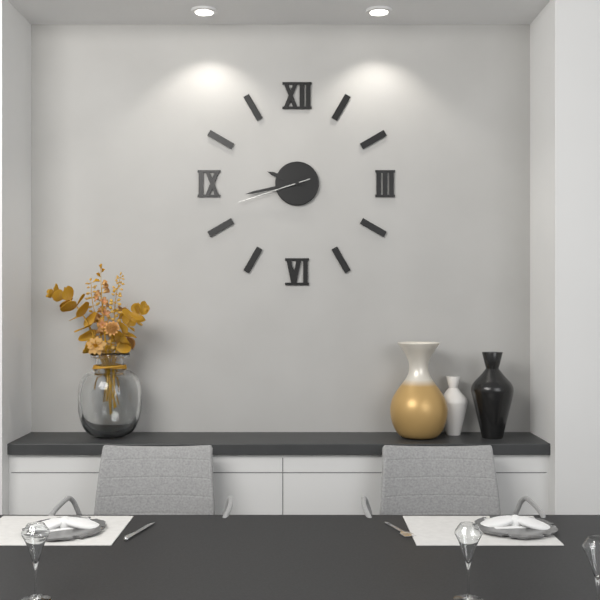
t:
9 h 43 min 42 s
